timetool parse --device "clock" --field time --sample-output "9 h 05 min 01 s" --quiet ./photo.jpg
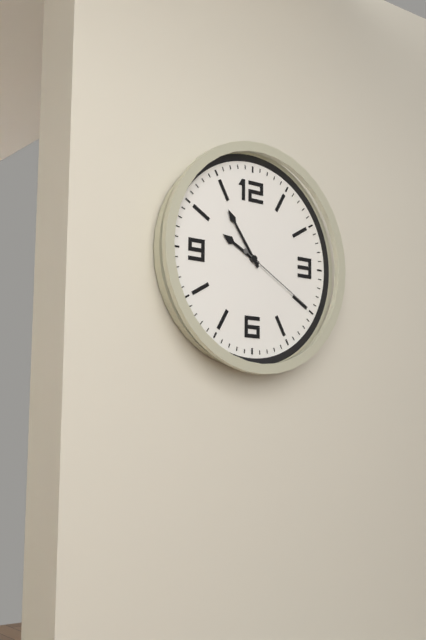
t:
9 h 54 min 20 s
